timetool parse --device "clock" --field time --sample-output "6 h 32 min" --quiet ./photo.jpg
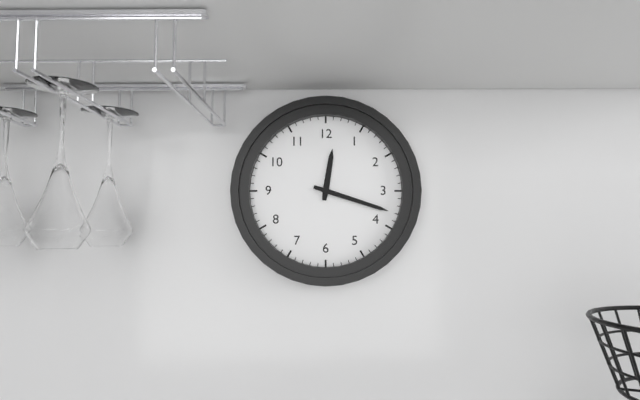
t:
12 h 18 min
